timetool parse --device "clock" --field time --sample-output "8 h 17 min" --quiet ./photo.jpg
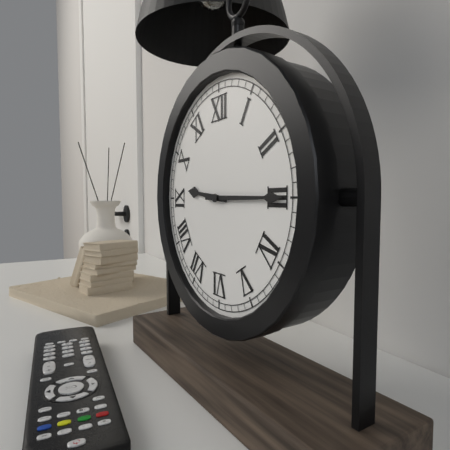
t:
9 h 15 min
